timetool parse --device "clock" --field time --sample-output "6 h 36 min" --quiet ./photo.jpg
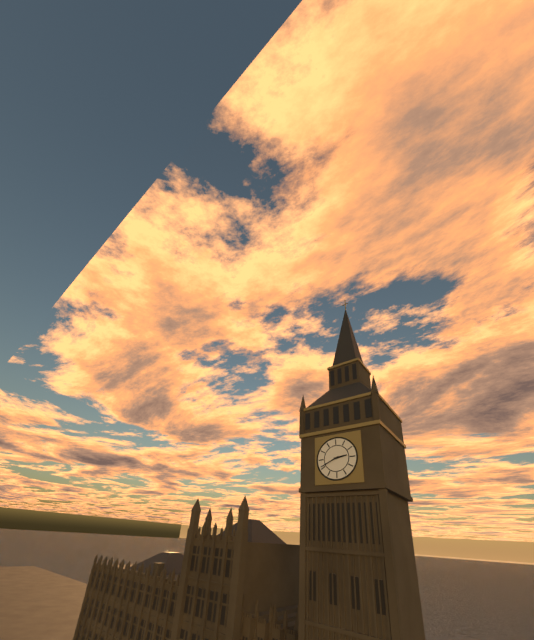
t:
2 h 41 min
